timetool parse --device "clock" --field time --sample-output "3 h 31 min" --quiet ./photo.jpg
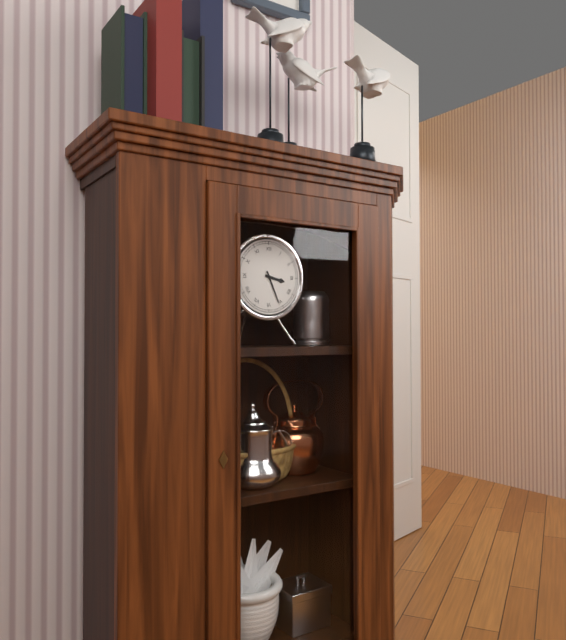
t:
3 h 26 min
